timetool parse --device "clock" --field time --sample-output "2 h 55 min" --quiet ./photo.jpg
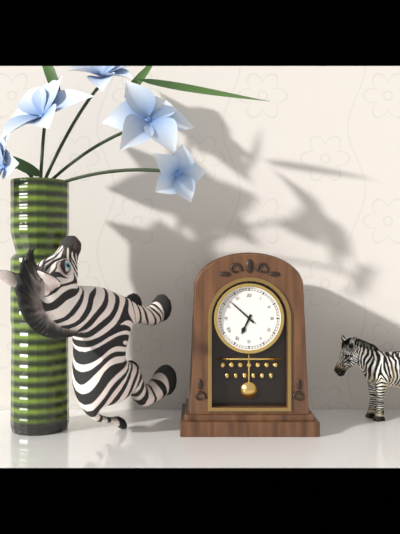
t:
6 h 52 min
